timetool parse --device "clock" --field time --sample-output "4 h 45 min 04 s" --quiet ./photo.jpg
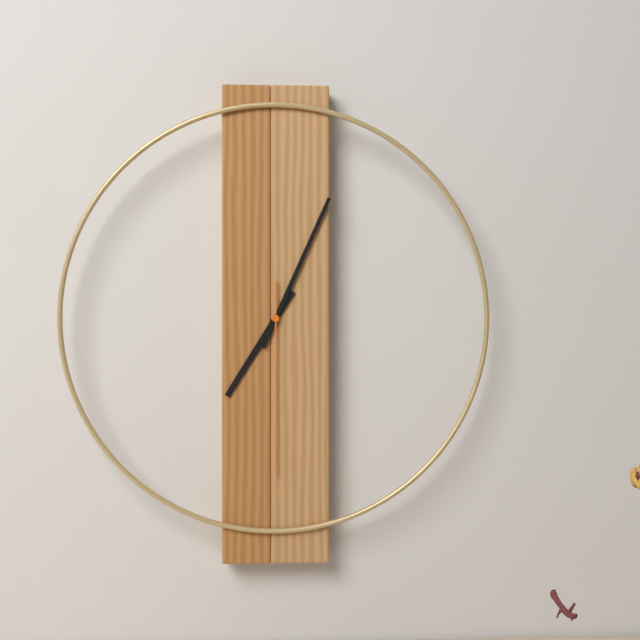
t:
7 h 04 min 30 s
